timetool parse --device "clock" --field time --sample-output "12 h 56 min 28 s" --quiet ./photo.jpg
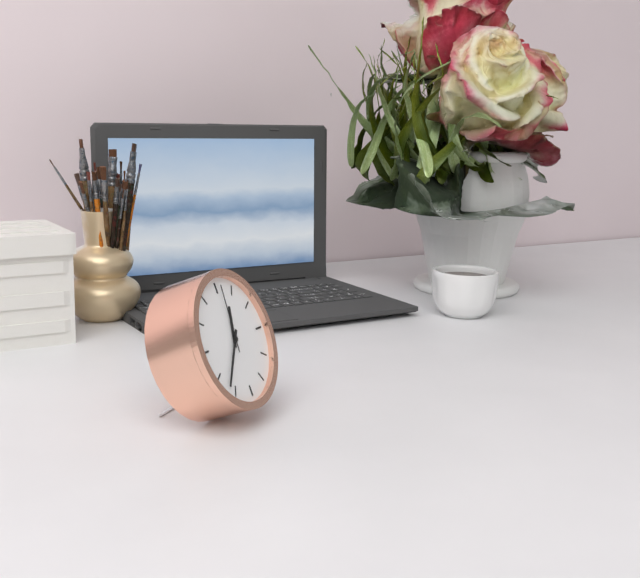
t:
12 h 37 min 01 s
